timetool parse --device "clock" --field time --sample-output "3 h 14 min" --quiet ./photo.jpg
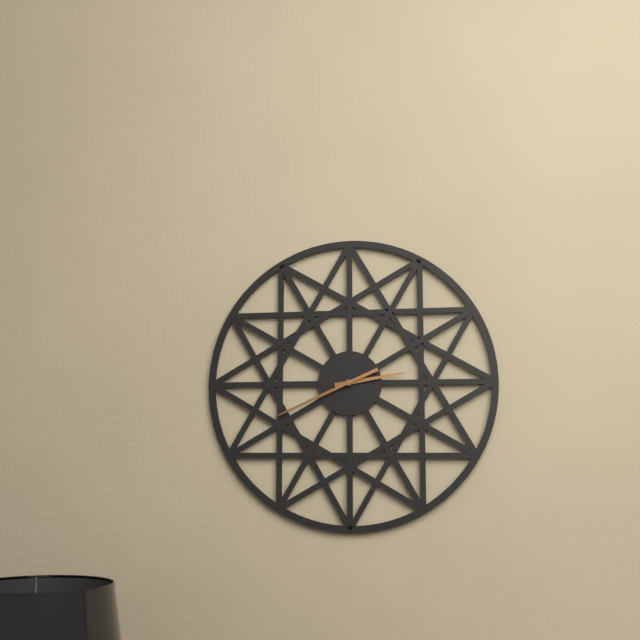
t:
2 h 41 min
